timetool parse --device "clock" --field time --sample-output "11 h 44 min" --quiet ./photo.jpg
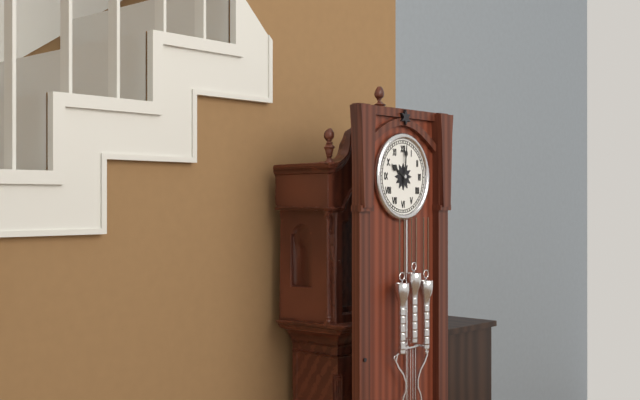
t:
10 h 01 min
